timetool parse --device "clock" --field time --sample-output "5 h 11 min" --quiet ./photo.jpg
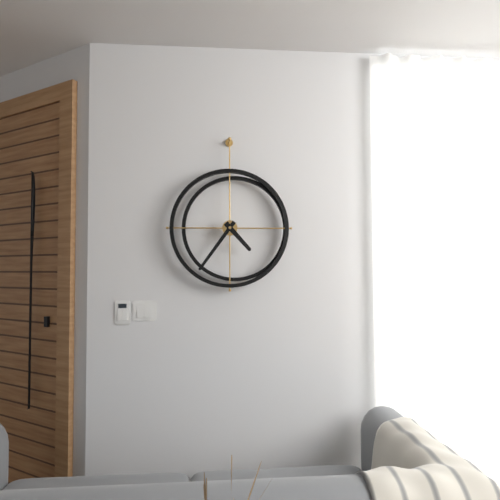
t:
4 h 36 min
